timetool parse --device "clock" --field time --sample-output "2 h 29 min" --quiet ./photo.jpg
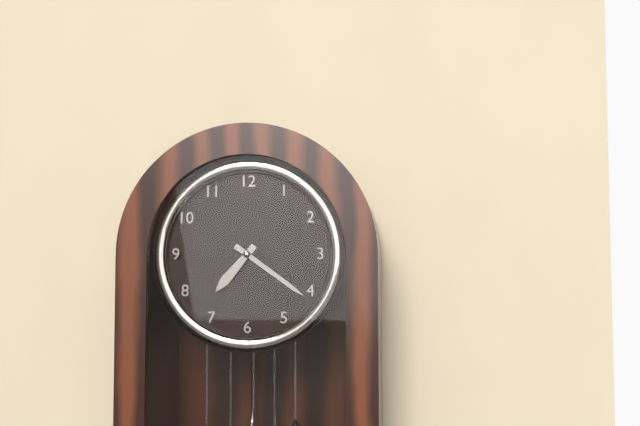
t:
7 h 21 min
